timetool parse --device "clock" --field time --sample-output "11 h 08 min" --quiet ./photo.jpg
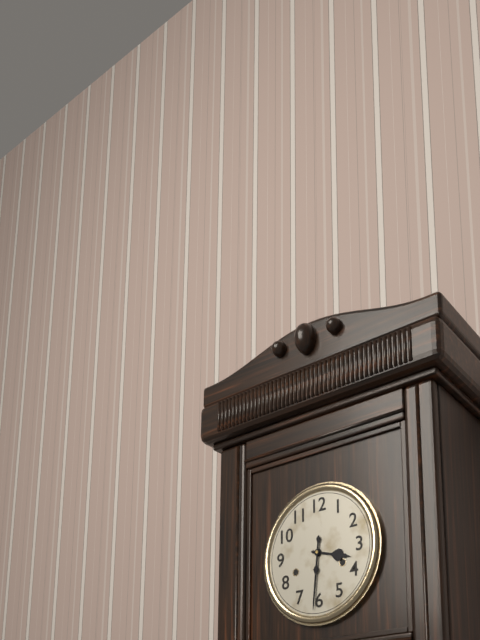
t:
3 h 31 min
